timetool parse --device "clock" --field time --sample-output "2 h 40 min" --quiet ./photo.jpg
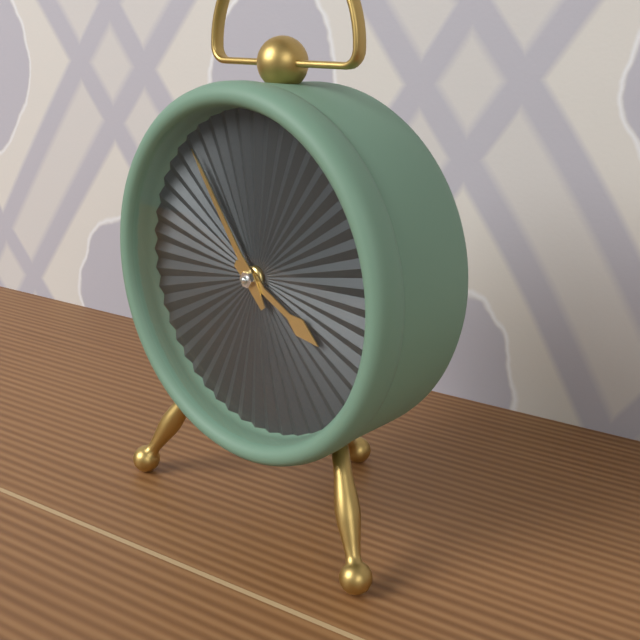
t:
3 h 54 min
